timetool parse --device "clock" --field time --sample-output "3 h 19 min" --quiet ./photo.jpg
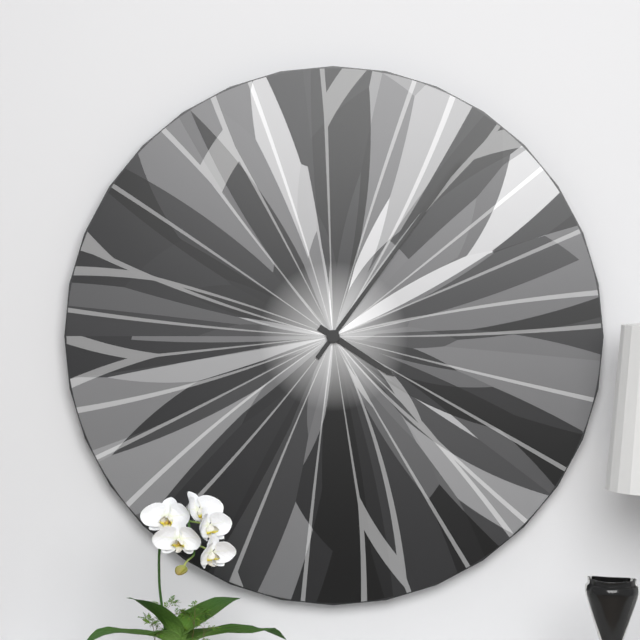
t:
4 h 06 min
